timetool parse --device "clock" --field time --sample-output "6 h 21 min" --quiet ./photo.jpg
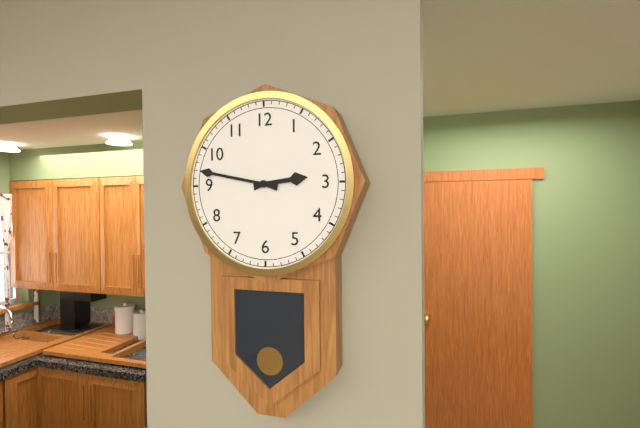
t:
2 h 47 min
